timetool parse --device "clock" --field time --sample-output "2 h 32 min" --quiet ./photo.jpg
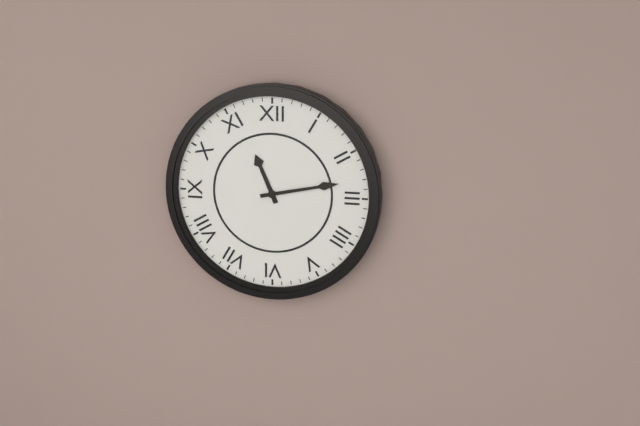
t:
11 h 13 min
